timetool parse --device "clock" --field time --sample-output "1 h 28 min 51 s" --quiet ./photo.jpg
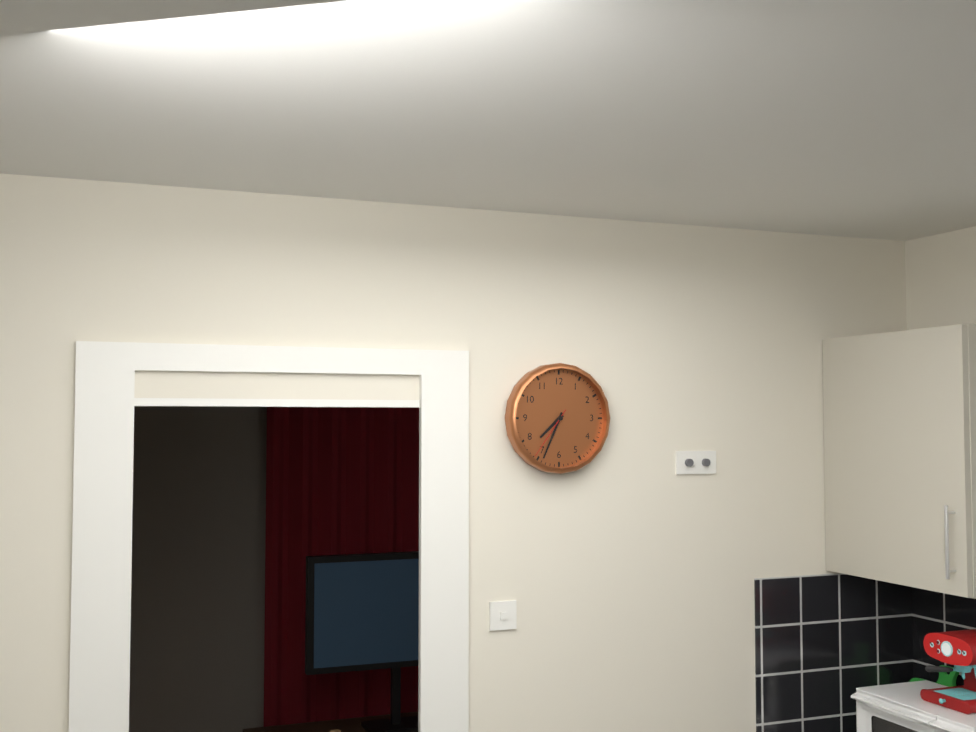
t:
7 h 34 min 36 s
